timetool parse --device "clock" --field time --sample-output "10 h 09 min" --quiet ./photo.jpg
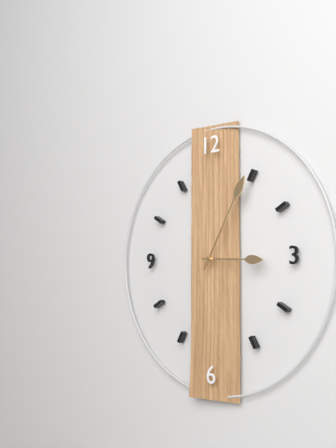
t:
3 h 05 min
